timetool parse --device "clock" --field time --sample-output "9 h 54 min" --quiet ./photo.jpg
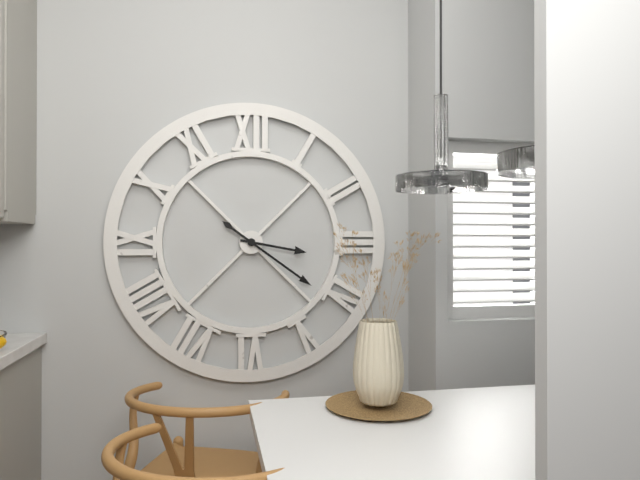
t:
3 h 21 min
